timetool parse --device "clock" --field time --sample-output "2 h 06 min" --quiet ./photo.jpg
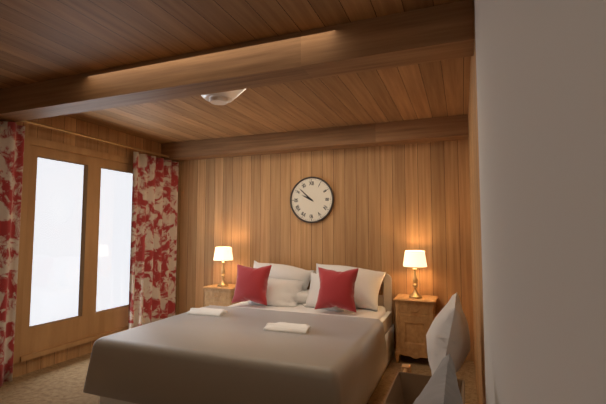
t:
9 h 52 min
